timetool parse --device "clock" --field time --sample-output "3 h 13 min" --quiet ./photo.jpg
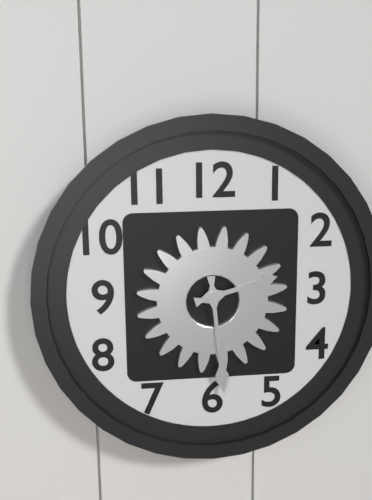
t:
2 h 29 min
